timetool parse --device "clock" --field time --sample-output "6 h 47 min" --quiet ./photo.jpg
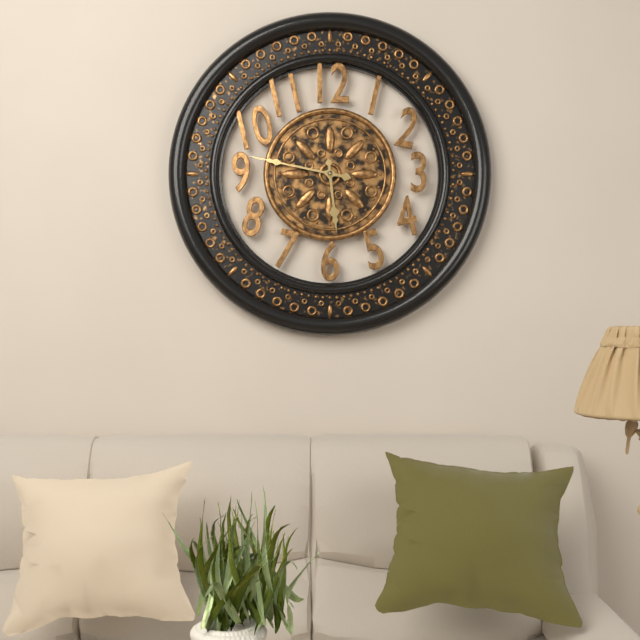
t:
5 h 47 min
